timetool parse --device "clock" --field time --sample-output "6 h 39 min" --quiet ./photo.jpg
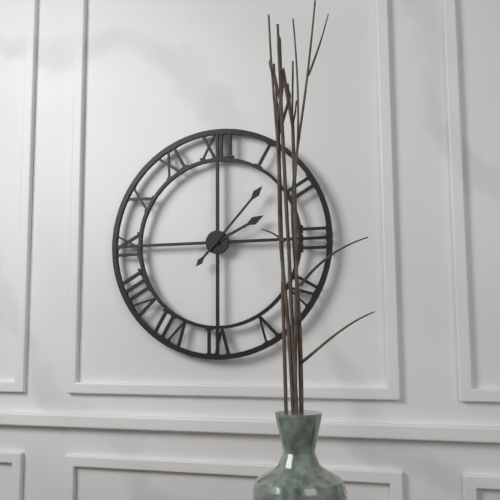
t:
2 h 07 min
